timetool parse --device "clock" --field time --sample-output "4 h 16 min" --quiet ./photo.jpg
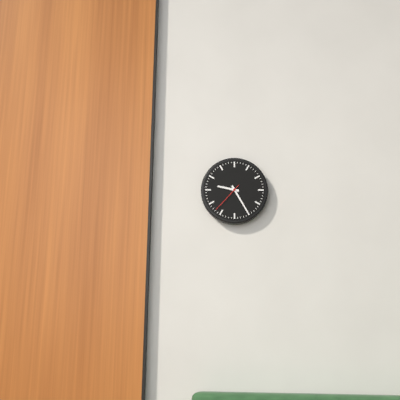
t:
9 h 25 min
